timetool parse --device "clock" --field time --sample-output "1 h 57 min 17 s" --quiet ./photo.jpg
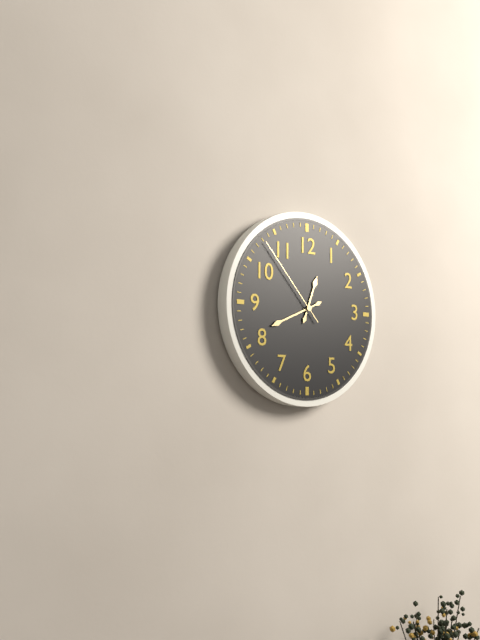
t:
12 h 41 min 53 s
